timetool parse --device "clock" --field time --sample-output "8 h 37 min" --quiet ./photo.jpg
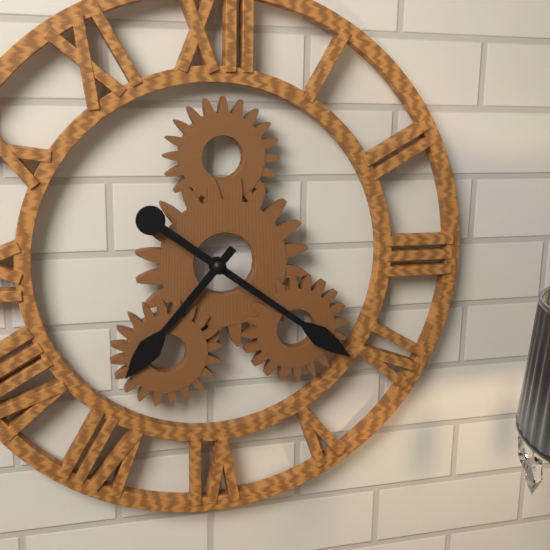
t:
7 h 21 min
